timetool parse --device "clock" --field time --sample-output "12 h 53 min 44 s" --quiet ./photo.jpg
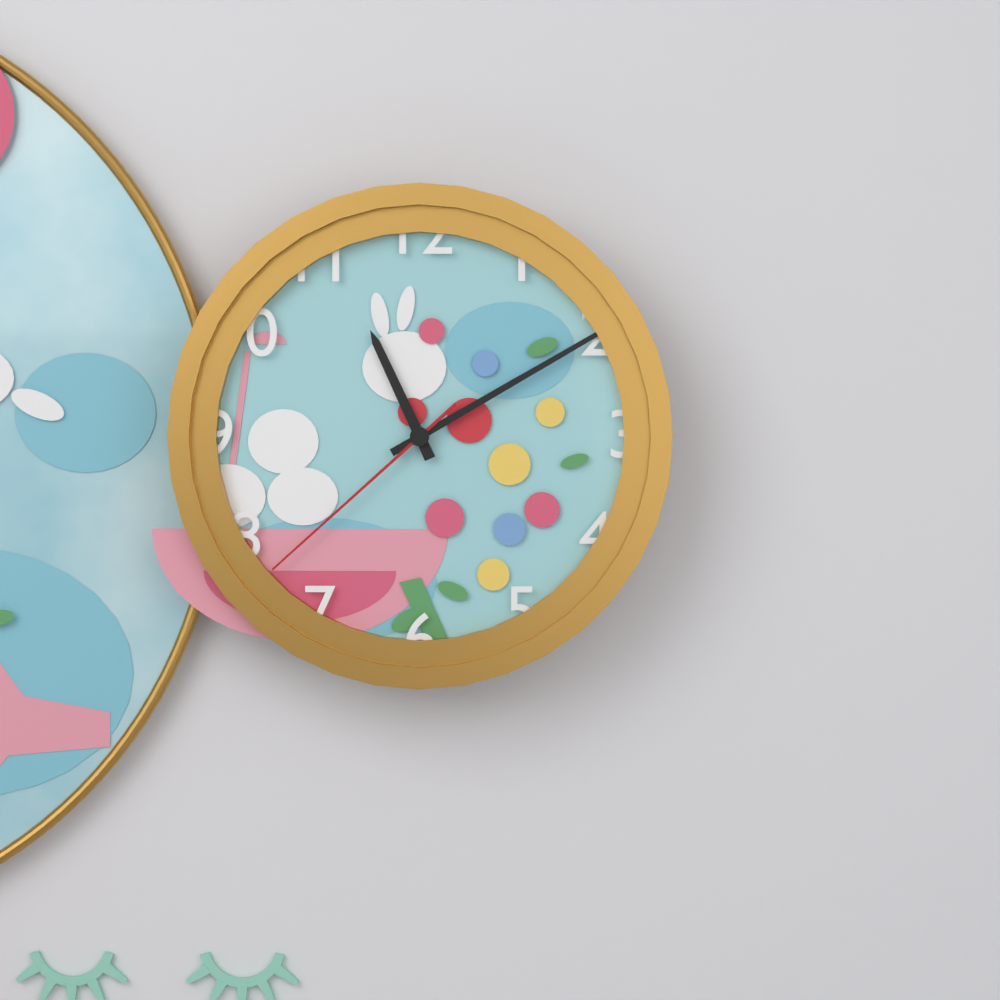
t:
11 h 10 min 38 s
